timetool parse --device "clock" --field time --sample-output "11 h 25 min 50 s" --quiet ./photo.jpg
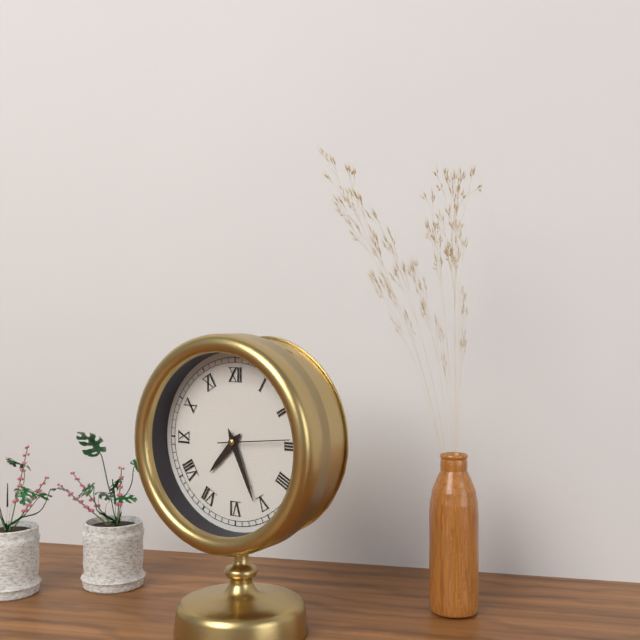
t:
7 h 26 min 14 s
